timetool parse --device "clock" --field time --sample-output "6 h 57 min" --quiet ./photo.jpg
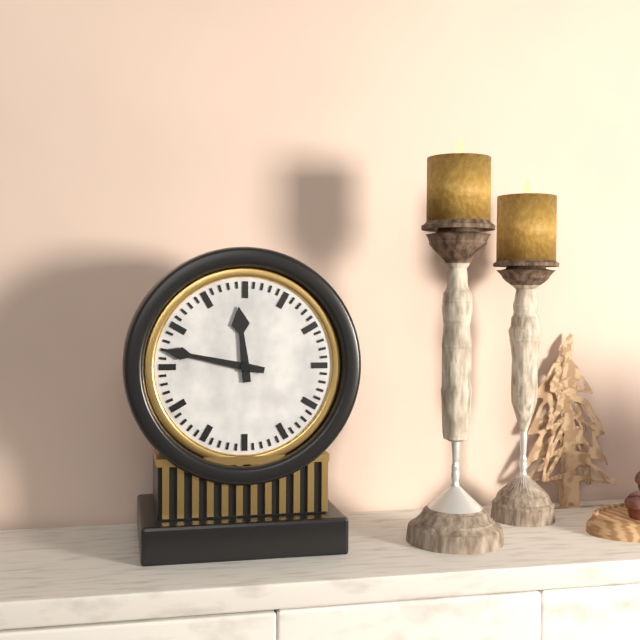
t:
11 h 47 min
